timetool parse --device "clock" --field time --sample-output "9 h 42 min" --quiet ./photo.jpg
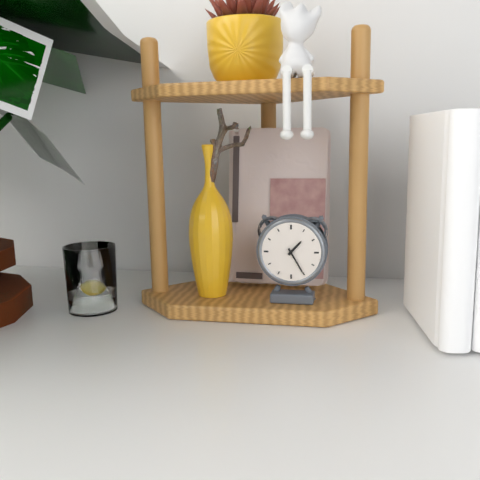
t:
1 h 25 min
